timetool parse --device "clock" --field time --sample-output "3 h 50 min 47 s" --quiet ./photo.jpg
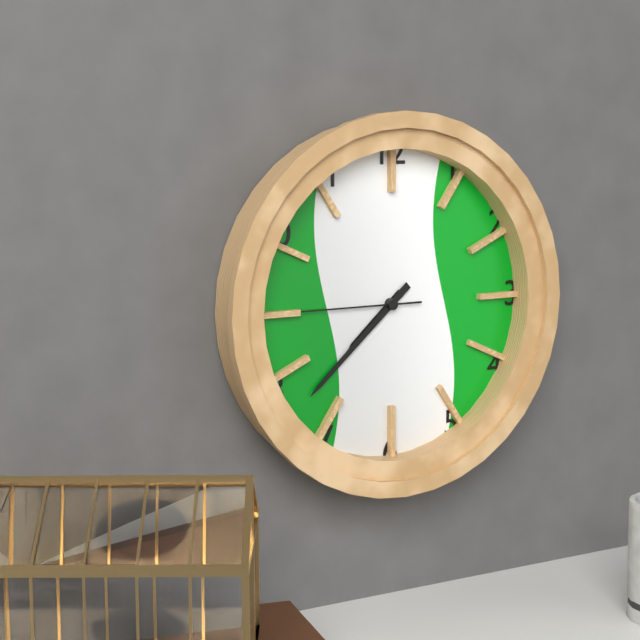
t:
7 h 38 min 45 s
